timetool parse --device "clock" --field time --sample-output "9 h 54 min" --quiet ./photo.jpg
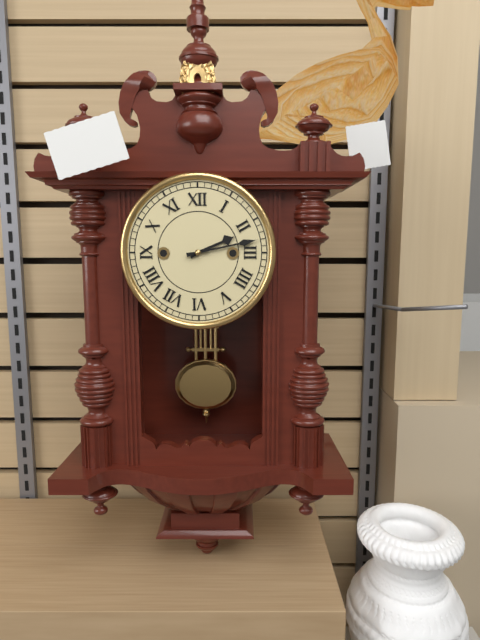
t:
2 h 13 min
